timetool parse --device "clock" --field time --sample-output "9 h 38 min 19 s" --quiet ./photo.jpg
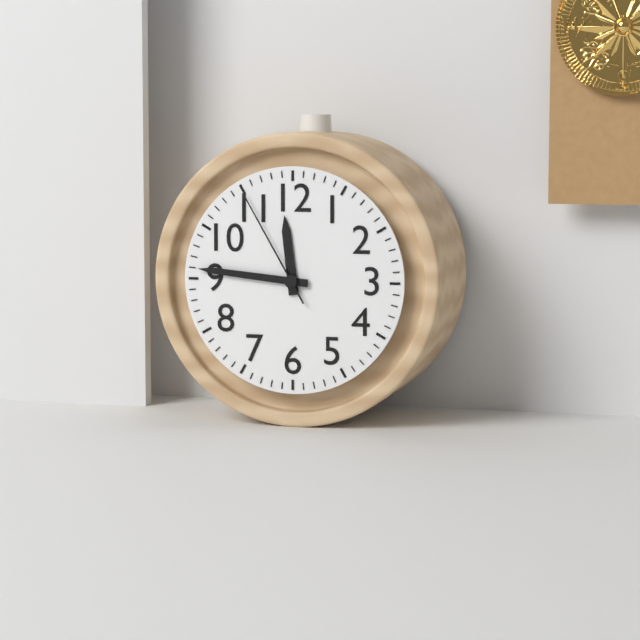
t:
11 h 46 min 55 s
